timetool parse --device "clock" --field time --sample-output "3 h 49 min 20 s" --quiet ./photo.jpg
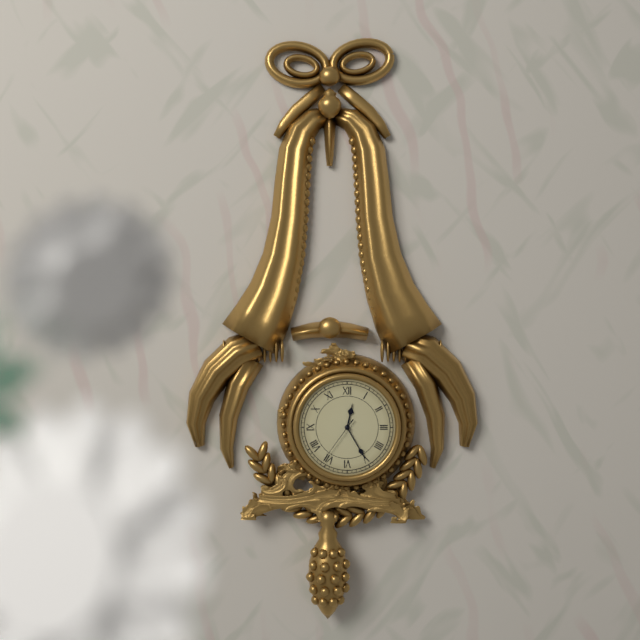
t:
12 h 25 min 36 s
